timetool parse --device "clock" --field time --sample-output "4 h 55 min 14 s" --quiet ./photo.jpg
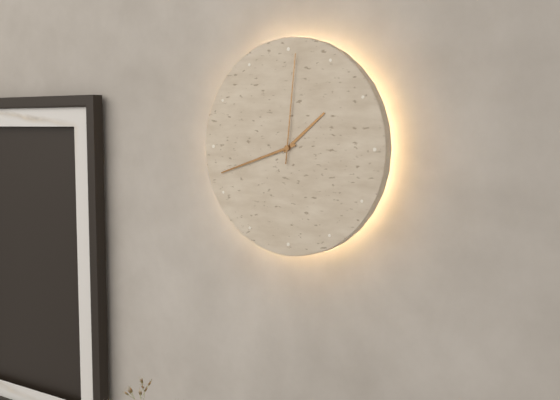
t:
1 h 42 min 01 s
